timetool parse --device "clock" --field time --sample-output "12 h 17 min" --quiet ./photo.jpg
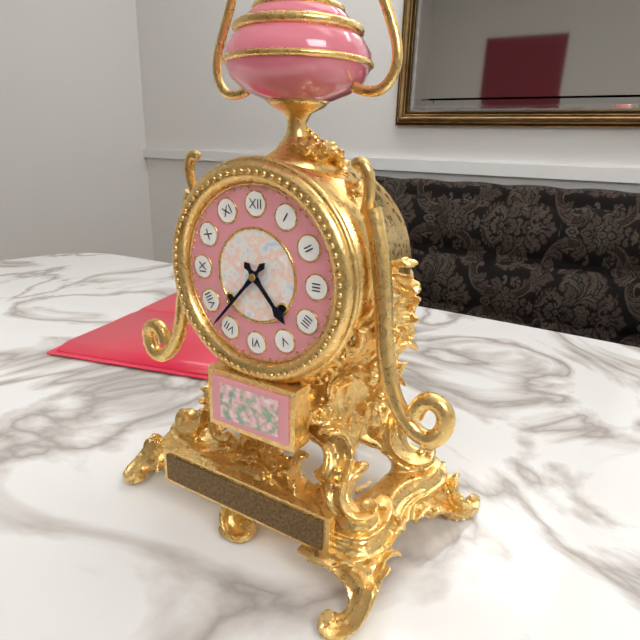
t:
4 h 37 min
